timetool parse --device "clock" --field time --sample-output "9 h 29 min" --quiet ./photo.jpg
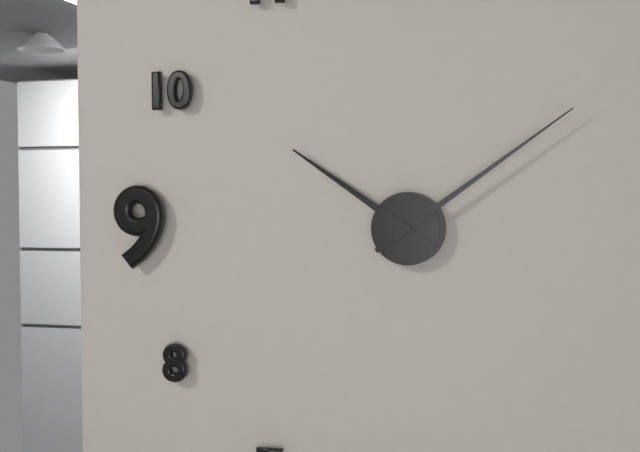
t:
10 h 09 min
